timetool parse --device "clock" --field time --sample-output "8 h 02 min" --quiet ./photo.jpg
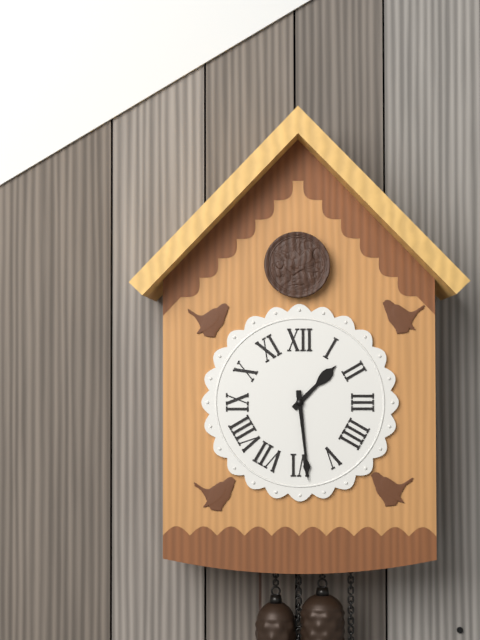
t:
1 h 29 min
